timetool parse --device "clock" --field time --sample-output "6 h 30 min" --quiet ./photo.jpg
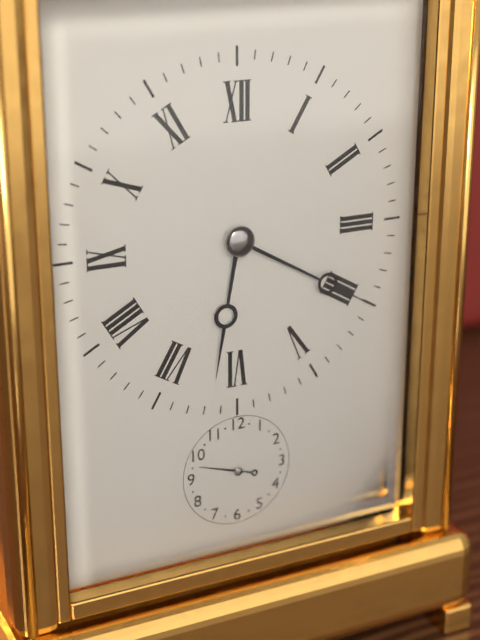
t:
6 h 20 min
